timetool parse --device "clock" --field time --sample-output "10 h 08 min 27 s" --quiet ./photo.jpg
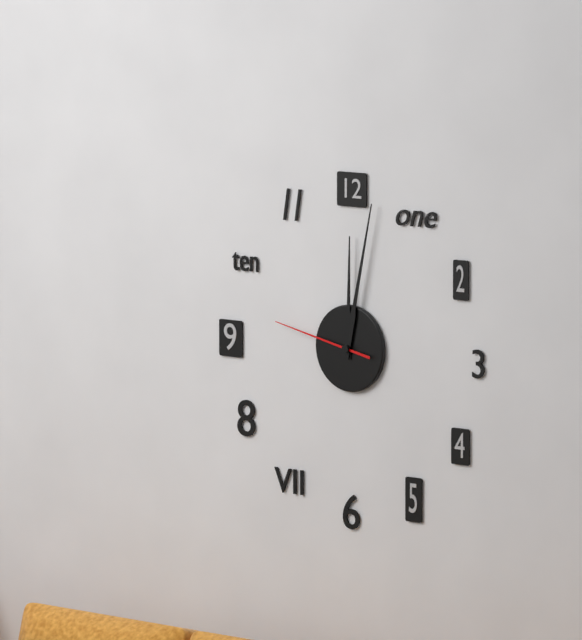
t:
12 h 02 min 47 s
